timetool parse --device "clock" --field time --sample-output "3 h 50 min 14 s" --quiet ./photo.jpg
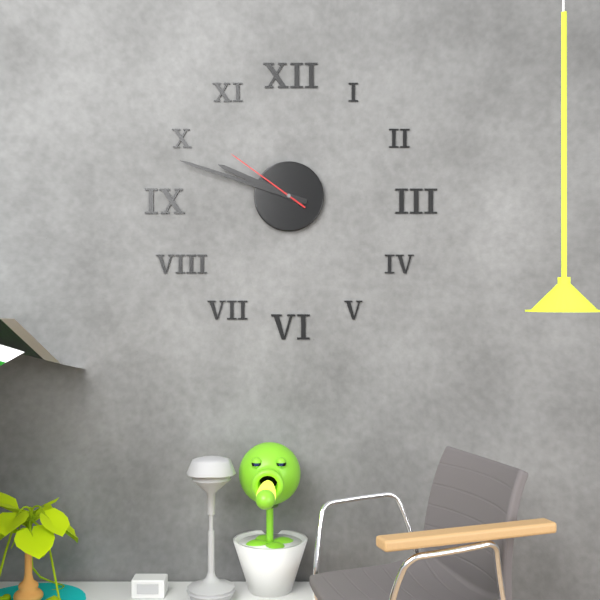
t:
9 h 48 min 51 s
